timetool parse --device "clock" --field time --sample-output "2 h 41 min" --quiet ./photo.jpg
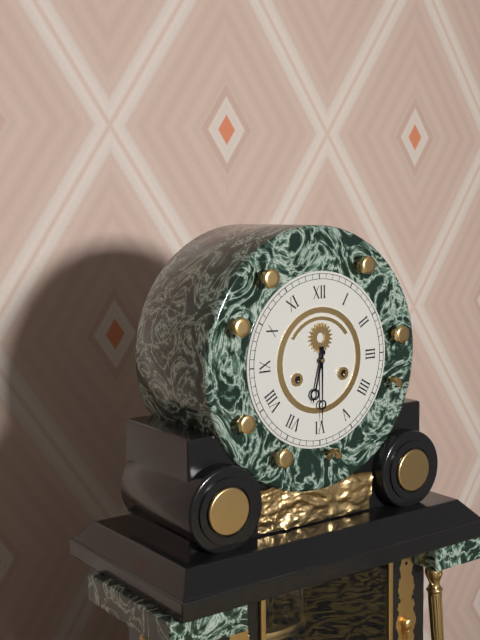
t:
6 h 30 min
